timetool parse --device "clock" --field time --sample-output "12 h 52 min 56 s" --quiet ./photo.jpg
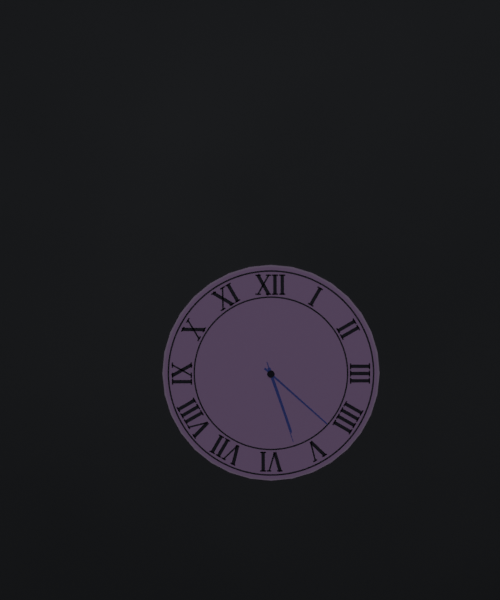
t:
5 h 22 min 27 s
